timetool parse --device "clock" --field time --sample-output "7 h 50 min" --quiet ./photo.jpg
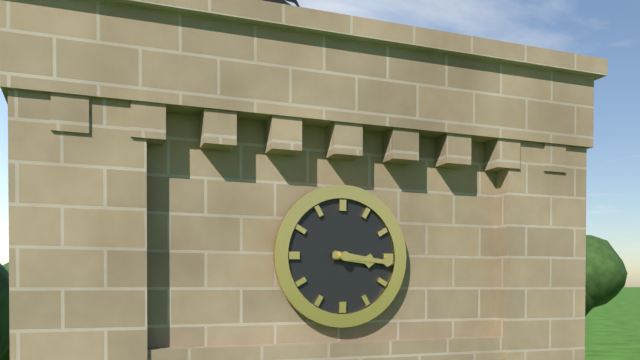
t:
3 h 16 min
